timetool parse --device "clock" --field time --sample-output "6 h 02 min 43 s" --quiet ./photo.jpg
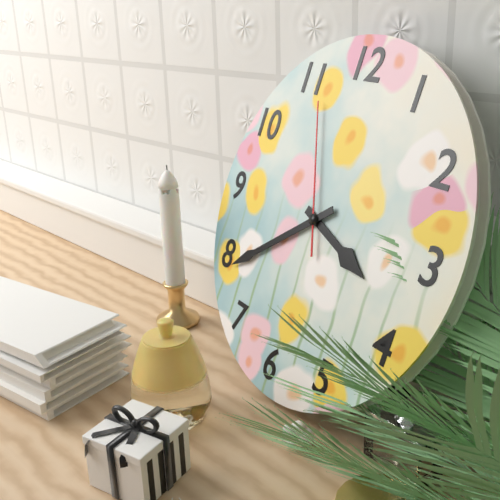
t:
3 h 39 min 56 s
